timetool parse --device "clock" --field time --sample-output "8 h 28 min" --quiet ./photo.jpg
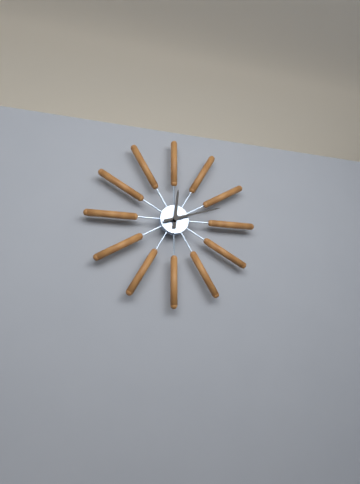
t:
12 h 12 min
